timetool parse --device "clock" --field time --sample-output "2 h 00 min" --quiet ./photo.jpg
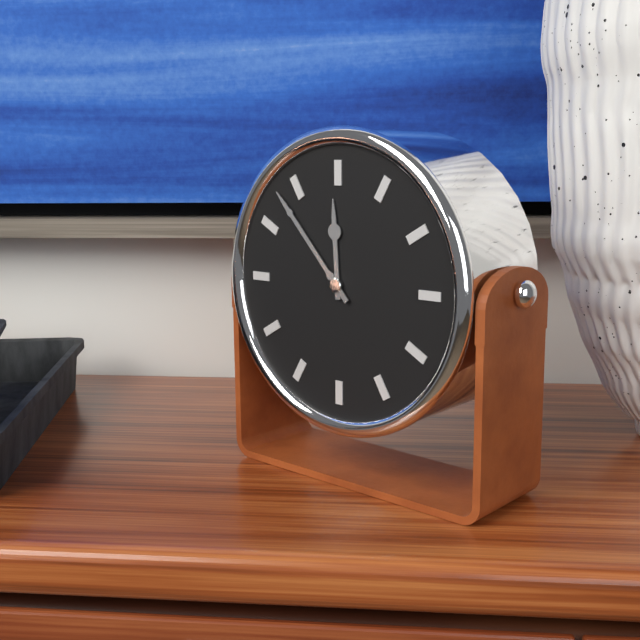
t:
11 h 53 min
